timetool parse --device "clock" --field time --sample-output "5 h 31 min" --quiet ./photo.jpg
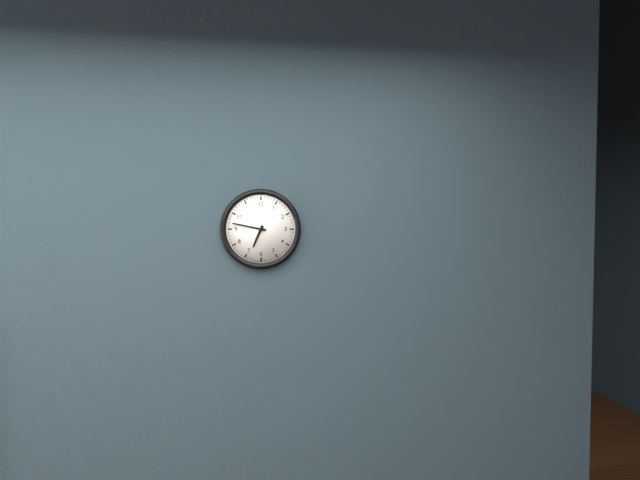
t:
6 h 47 min
